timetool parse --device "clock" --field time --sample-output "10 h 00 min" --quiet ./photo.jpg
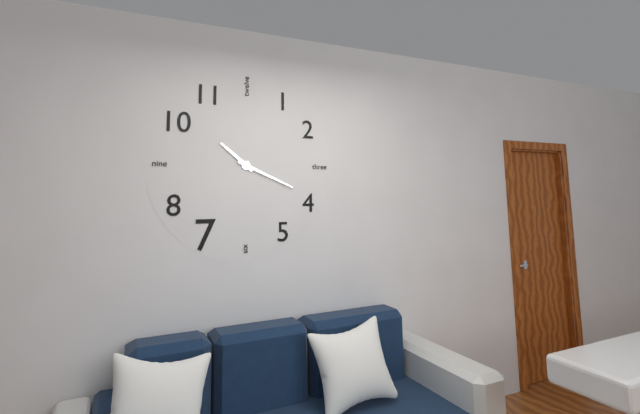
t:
10 h 19 min
